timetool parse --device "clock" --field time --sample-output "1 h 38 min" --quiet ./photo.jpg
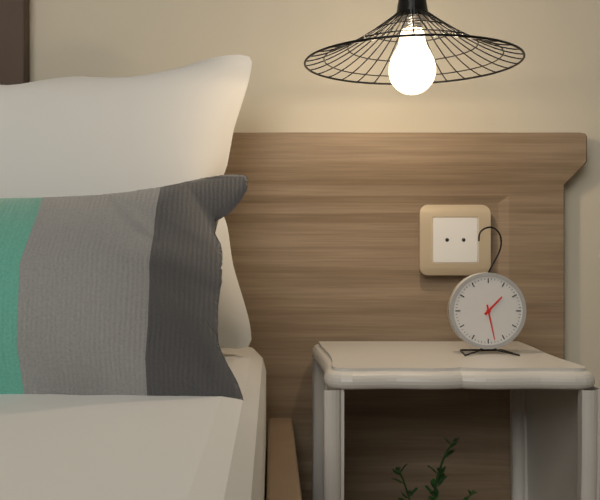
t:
1 h 28 min
